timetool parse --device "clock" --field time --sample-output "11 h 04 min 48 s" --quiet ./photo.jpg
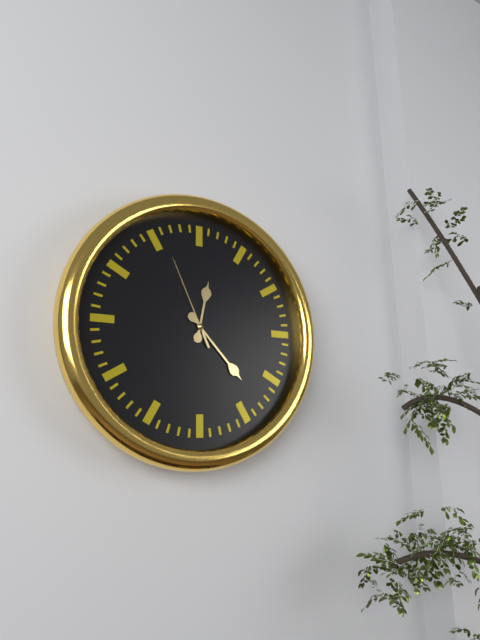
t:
12 h 23 min 56 s
